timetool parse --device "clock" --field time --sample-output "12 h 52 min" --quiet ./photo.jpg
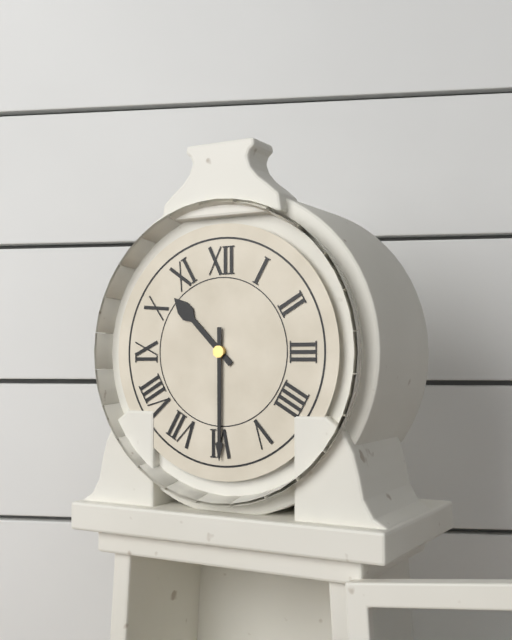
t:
10 h 30 min
